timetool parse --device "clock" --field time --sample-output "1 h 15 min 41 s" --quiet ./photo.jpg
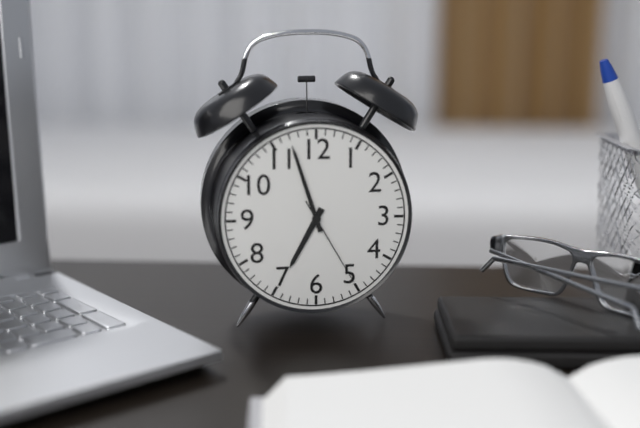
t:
6 h 57 min 25 s
